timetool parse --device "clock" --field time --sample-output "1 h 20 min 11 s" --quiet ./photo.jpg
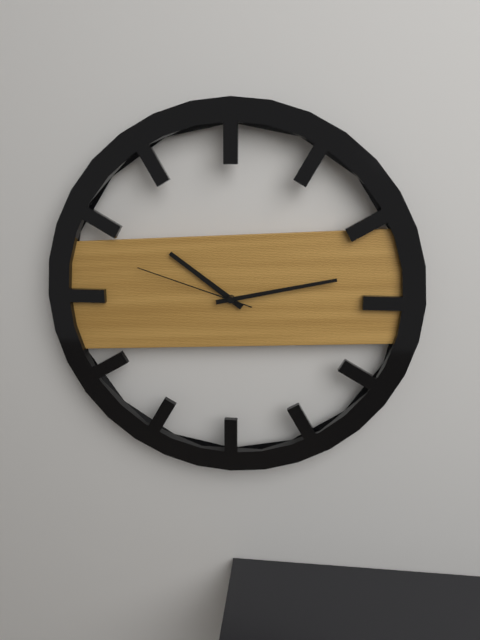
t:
10 h 13 min 48 s
